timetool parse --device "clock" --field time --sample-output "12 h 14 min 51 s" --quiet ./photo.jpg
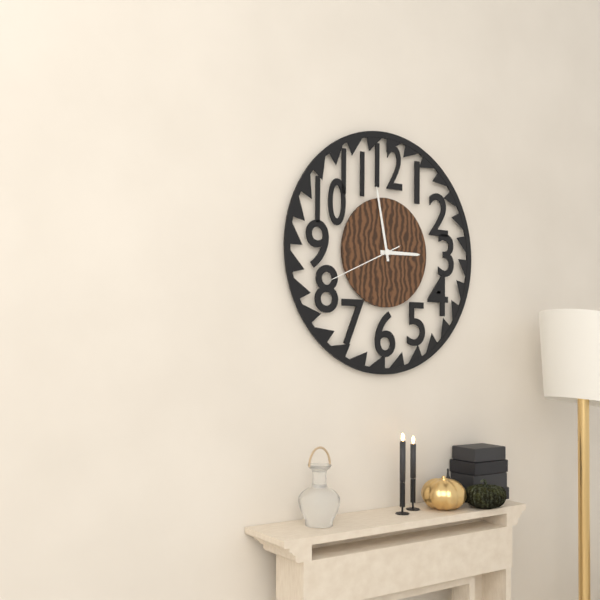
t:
2 h 58 min 41 s
